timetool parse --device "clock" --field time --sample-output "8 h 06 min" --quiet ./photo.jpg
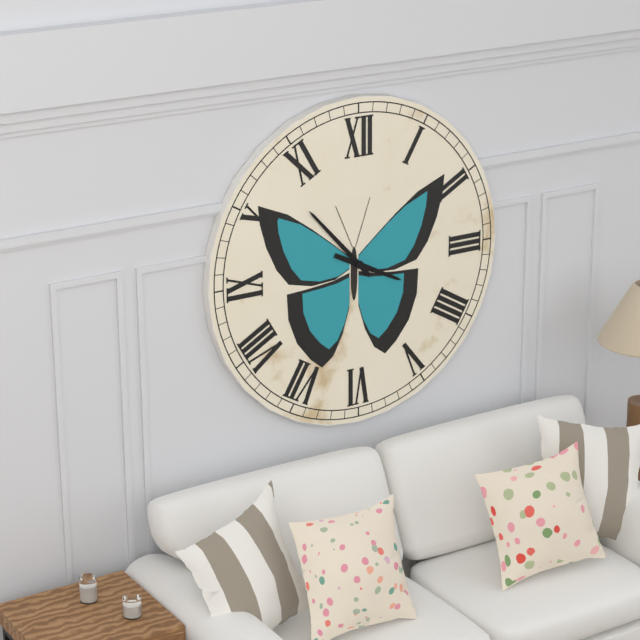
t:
3 h 53 min
